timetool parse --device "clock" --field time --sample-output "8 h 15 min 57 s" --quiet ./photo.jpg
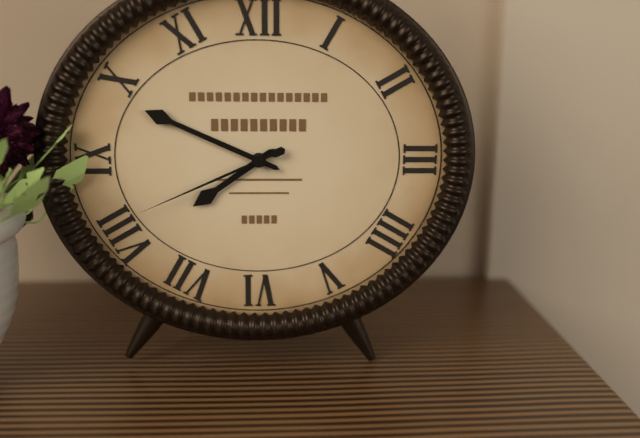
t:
7 h 49 min 41 s
